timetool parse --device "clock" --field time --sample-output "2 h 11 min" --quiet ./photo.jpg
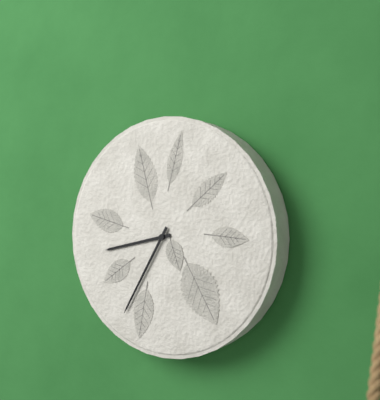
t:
8 h 35 min
